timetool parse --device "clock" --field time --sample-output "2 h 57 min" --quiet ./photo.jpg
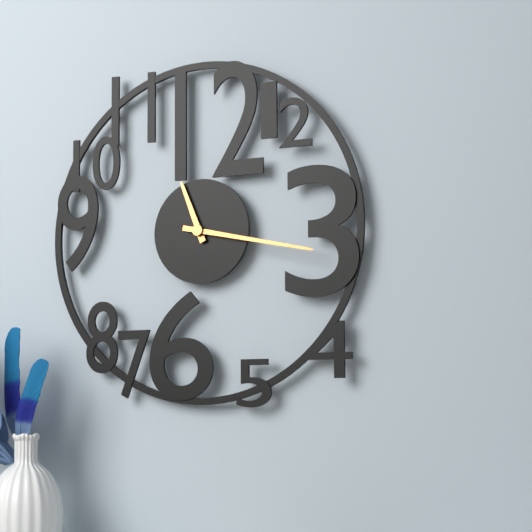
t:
11 h 17 min
